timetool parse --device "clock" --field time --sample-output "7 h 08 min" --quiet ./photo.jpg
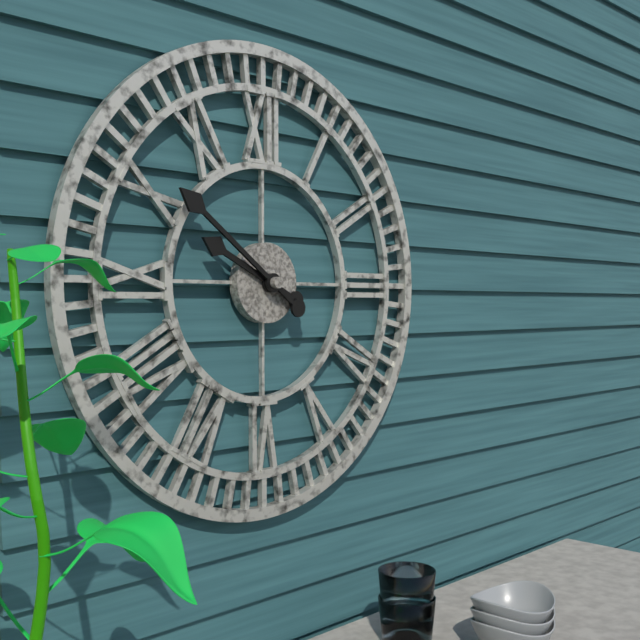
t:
9 h 51 min
